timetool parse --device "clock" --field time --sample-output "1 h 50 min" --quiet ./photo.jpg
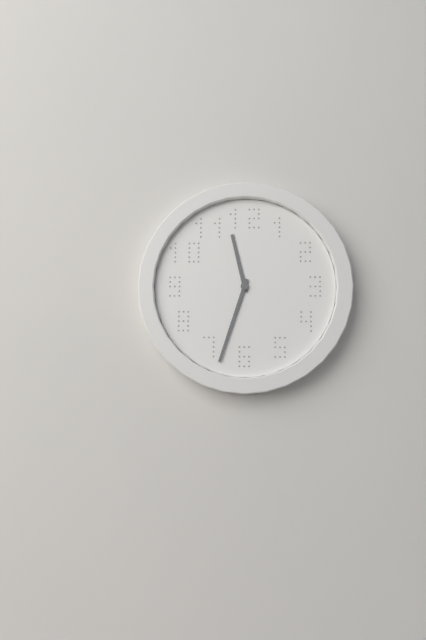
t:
11 h 33 min
